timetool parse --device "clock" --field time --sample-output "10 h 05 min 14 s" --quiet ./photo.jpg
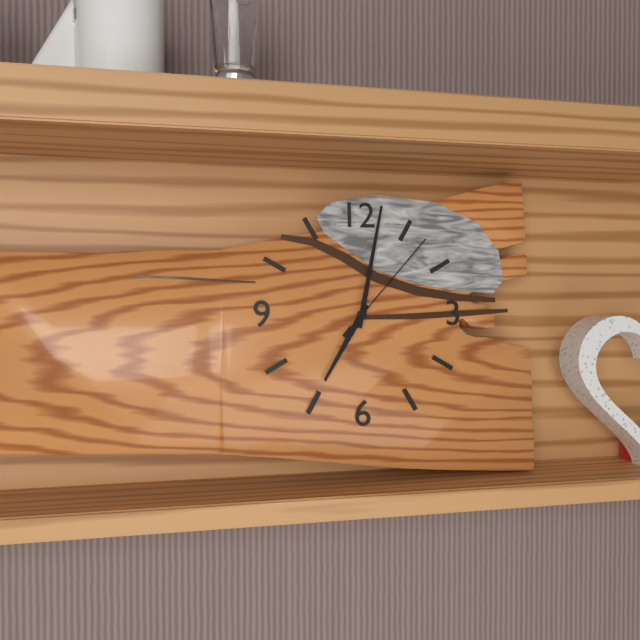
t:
7 h 02 min 07 s
